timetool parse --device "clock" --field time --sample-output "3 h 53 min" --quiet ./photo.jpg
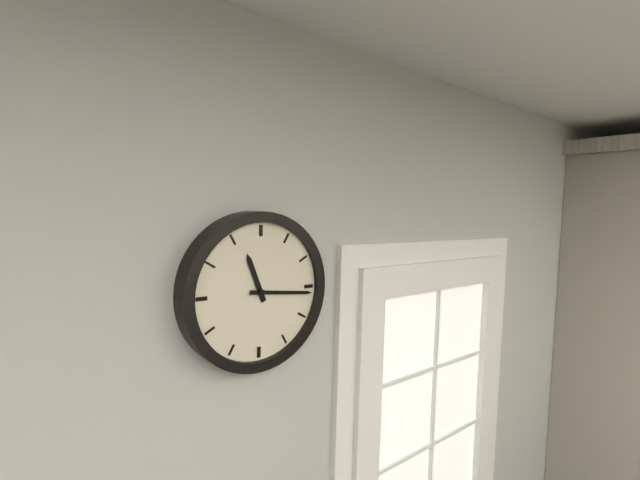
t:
11 h 16 min
